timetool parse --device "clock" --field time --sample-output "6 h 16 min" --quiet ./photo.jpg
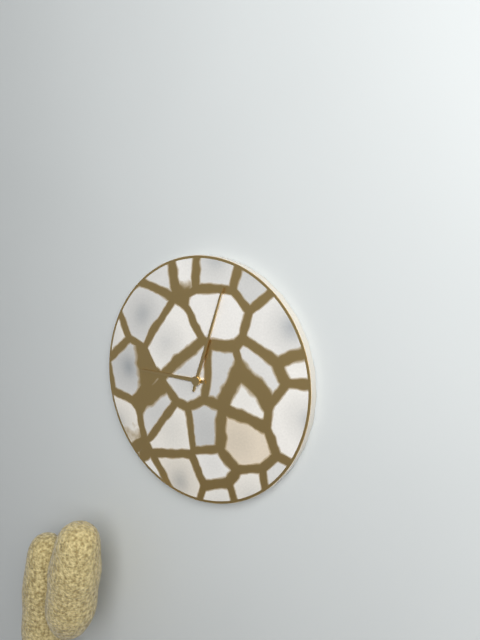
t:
9 h 03 min
